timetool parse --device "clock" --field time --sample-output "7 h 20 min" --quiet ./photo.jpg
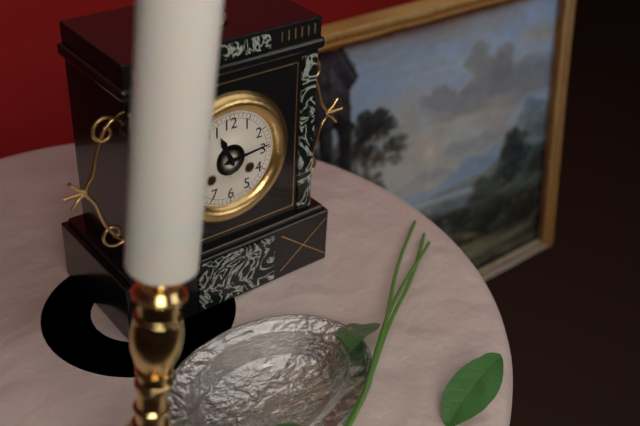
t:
11 h 14 min
